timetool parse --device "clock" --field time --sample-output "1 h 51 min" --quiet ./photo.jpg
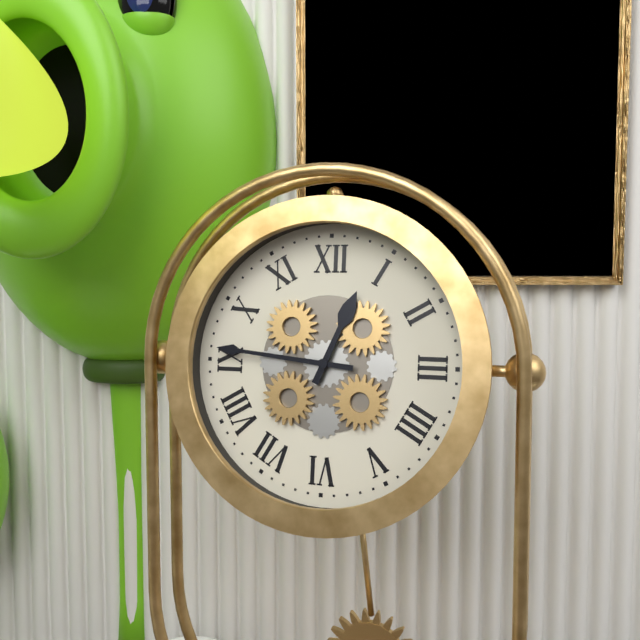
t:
12 h 46 min
